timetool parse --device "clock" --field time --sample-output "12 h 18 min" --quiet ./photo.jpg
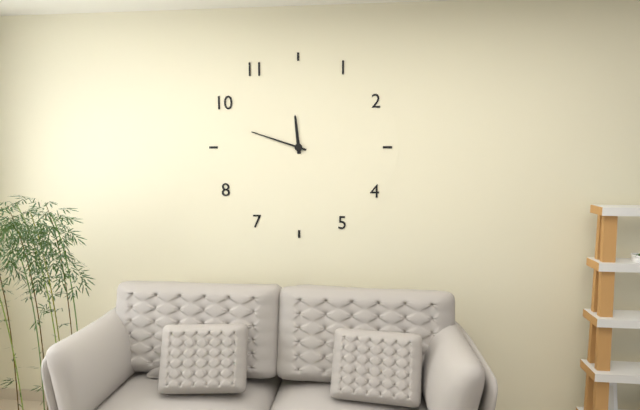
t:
11 h 48 min
